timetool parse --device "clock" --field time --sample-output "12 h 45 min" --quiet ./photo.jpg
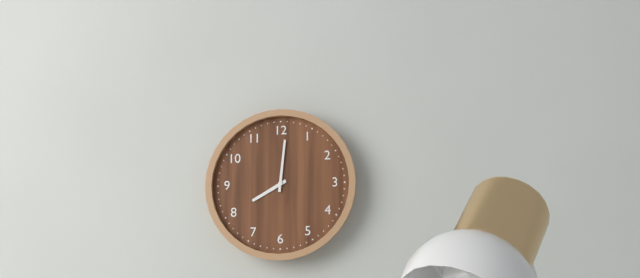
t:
8 h 01 min
